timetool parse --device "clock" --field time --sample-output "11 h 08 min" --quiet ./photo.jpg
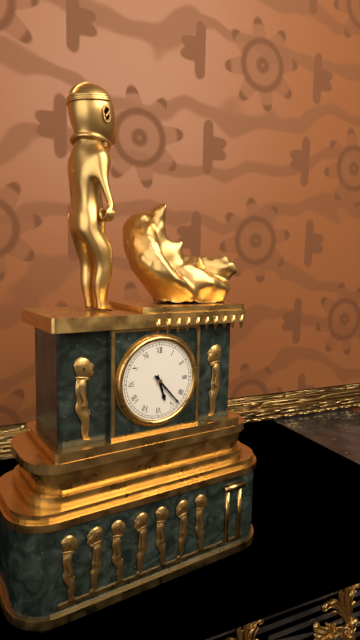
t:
5 h 23 min
